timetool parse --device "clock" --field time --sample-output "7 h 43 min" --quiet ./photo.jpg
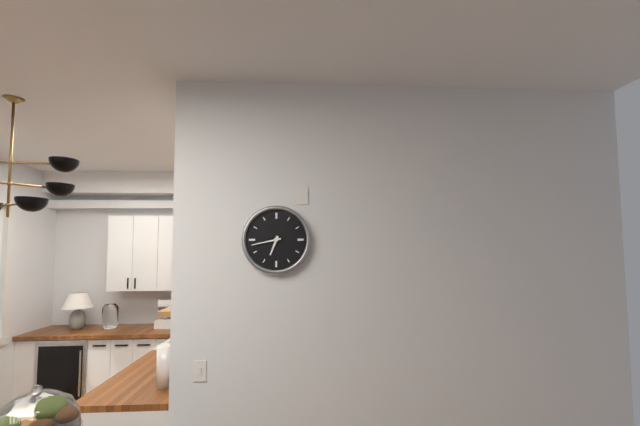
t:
6 h 43 min
